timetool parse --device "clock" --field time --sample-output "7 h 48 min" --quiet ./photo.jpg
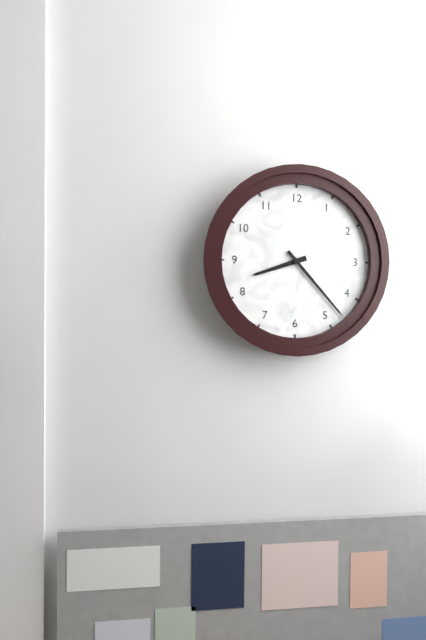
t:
8 h 23 min
